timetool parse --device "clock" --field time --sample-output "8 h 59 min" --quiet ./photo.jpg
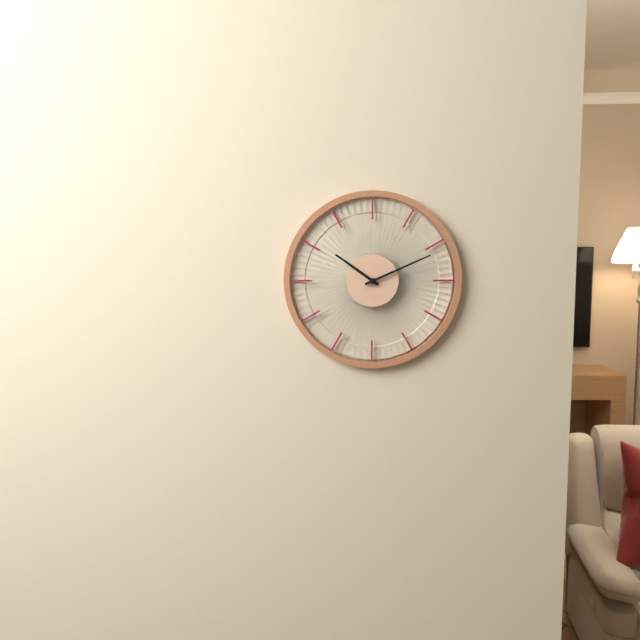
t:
10 h 11 min
